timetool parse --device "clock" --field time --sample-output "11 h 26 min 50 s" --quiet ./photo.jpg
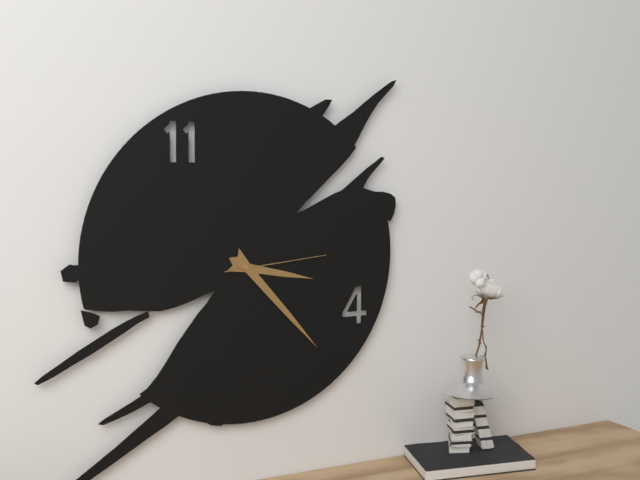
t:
3 h 23 min 14 s
